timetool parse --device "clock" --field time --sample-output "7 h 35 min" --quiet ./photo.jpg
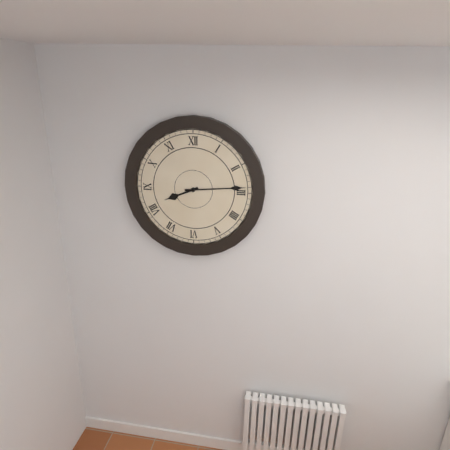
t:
8 h 14 min
